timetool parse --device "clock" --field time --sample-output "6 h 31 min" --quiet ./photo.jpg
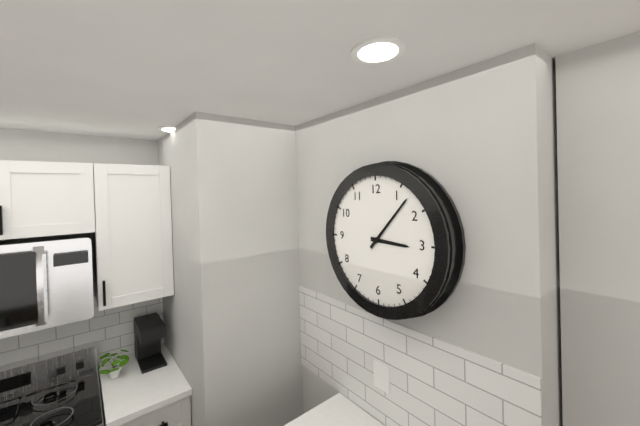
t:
3 h 07 min
